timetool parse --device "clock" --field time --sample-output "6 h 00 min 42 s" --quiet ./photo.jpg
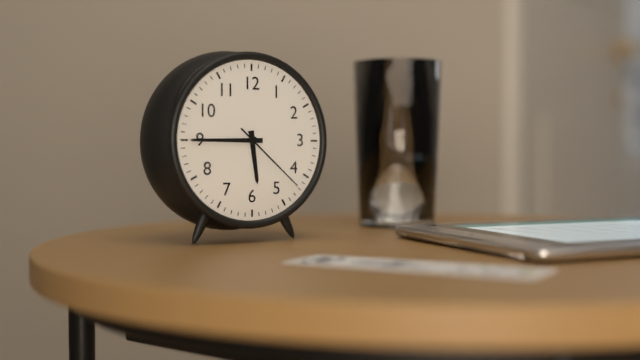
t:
5 h 45 min 22 s
